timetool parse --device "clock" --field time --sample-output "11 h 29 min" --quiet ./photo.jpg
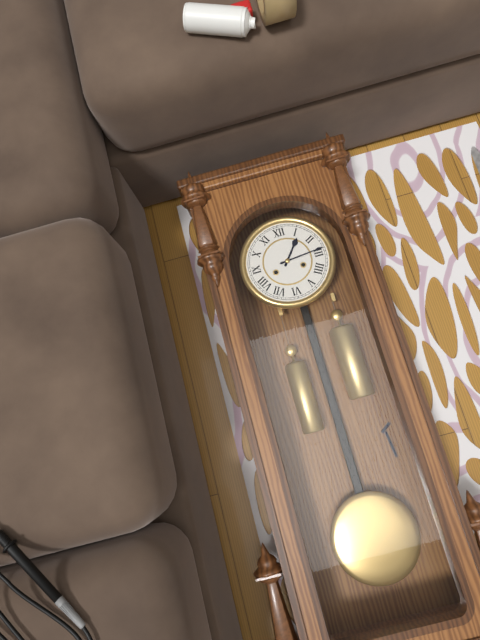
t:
1 h 14 min
